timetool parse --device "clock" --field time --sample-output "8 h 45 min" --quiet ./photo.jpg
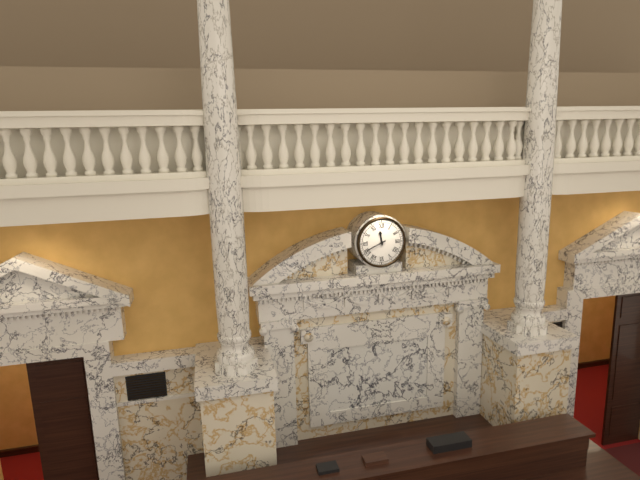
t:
11 h 41 min
